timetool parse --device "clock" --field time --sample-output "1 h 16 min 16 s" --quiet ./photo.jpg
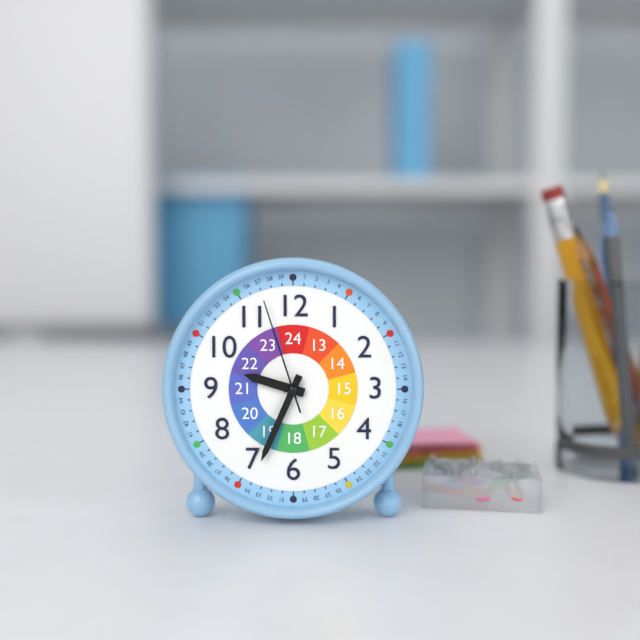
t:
9 h 34 min 57 s
